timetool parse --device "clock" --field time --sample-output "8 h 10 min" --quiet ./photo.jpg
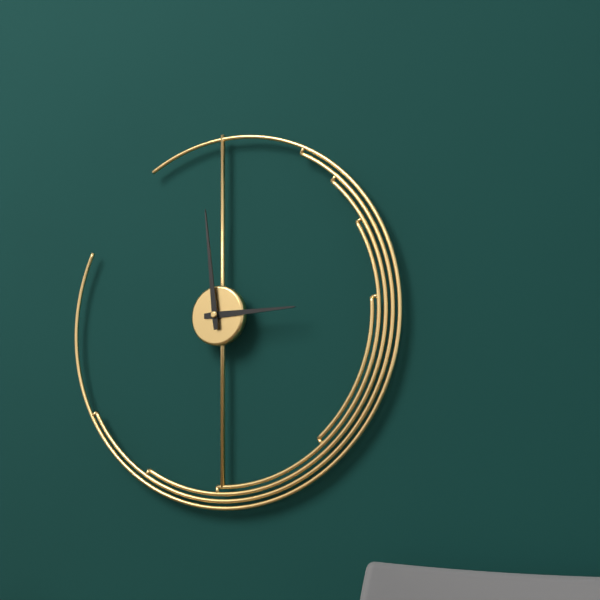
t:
2 h 59 min
